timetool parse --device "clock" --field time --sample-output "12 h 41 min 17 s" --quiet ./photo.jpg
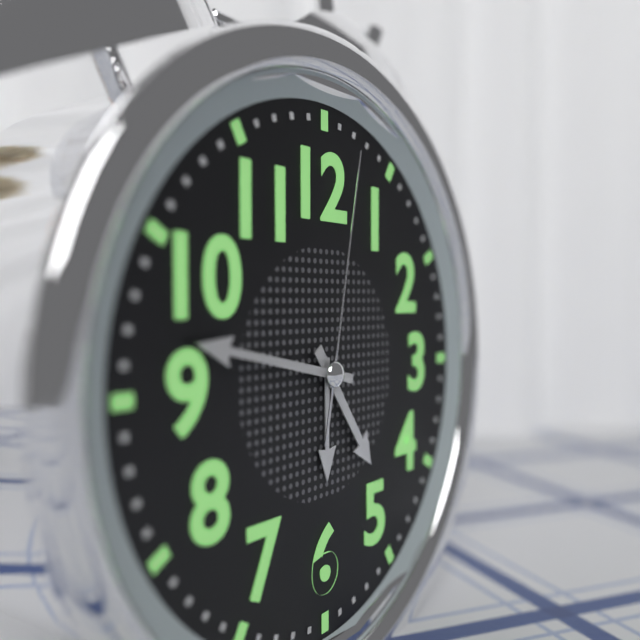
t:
4 h 47 min 02 s
